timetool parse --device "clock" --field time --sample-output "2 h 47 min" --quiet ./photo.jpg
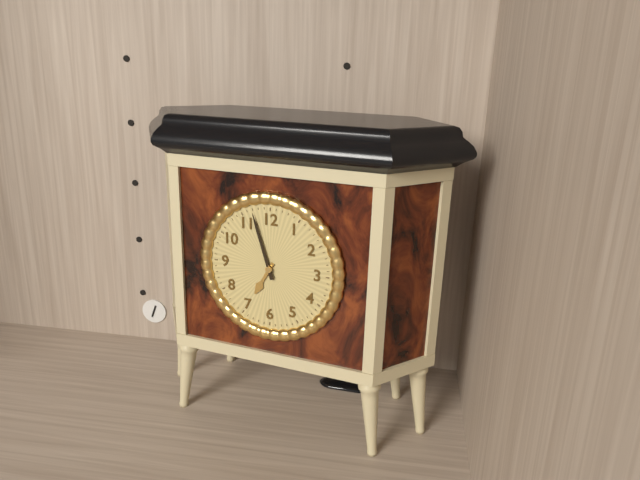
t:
6 h 57 min
